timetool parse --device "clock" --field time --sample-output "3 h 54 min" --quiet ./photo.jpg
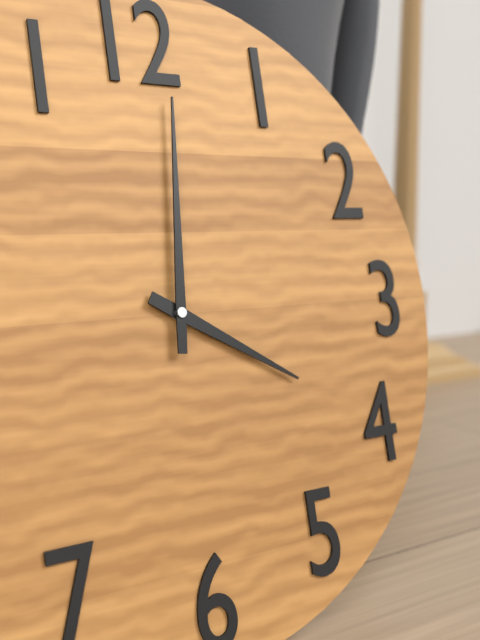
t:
4 h 01 min
